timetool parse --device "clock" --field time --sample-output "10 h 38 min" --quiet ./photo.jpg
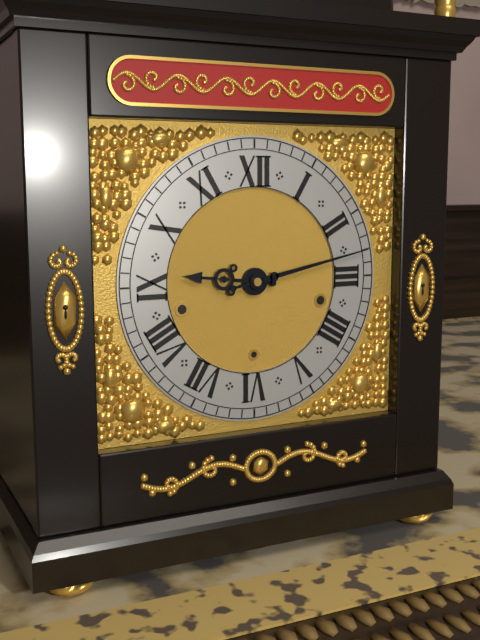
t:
9 h 13 min
